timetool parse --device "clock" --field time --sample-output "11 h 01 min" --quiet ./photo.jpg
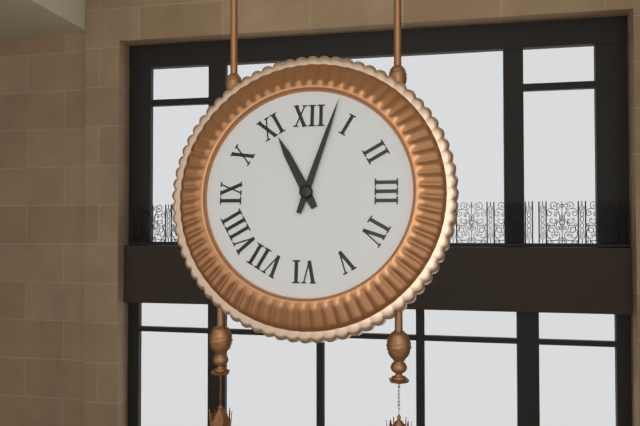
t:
11 h 03 min
